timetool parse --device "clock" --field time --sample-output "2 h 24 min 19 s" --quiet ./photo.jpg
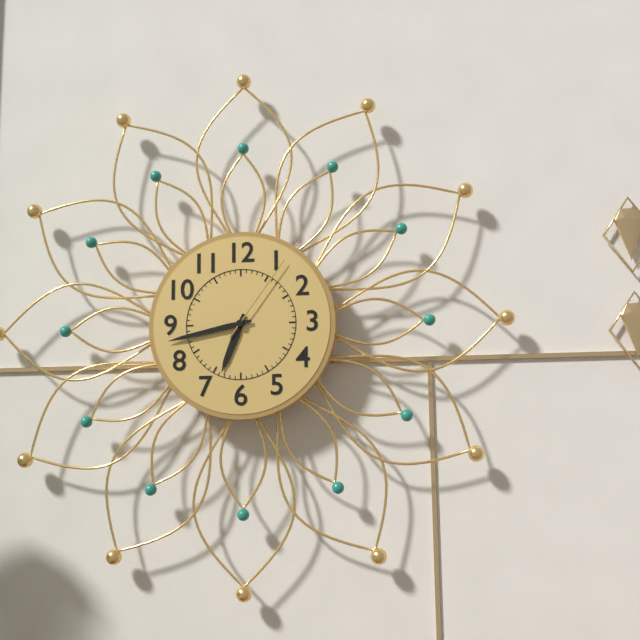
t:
6 h 43 min 06 s
